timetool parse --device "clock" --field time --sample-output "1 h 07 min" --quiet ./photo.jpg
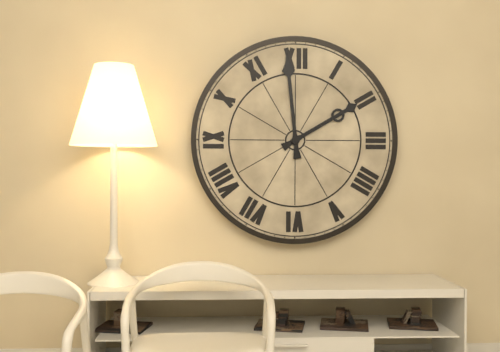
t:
1 h 59 min
